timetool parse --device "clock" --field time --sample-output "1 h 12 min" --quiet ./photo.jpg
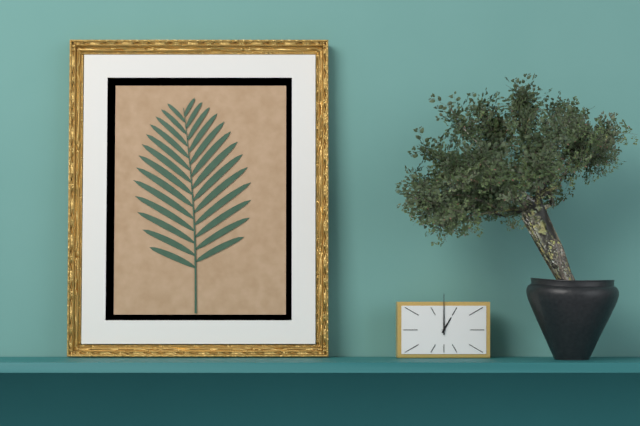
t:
1 h 00 min
